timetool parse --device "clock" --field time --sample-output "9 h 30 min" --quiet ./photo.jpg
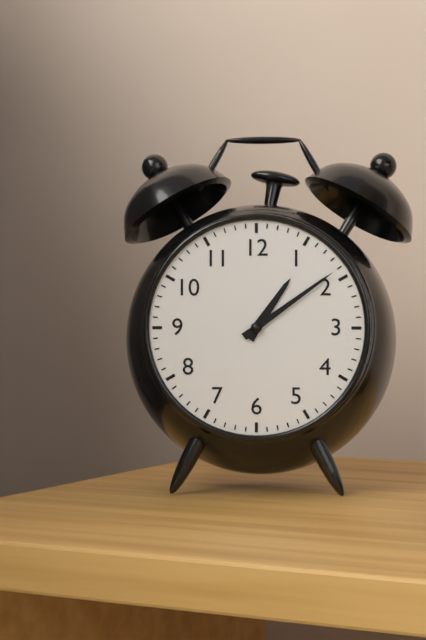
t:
1 h 09 min
